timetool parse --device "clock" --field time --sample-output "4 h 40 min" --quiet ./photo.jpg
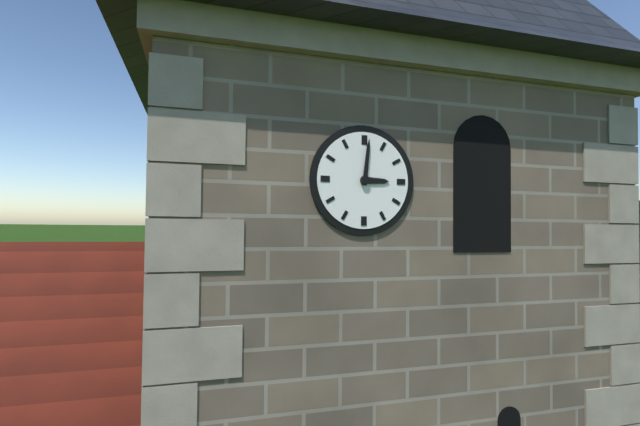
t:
3 h 01 min
